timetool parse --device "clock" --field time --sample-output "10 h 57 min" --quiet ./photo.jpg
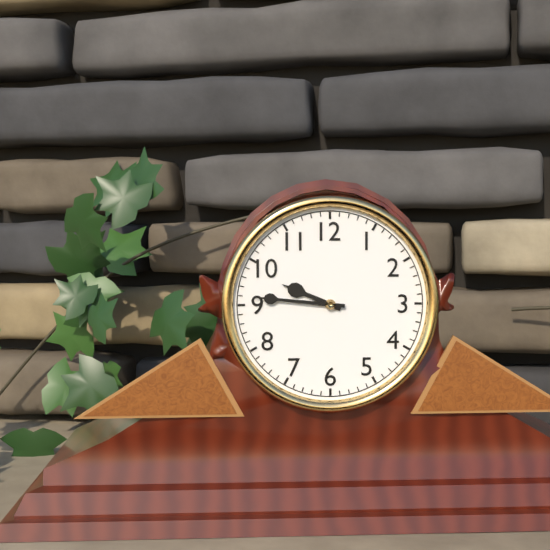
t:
9 h 46 min
